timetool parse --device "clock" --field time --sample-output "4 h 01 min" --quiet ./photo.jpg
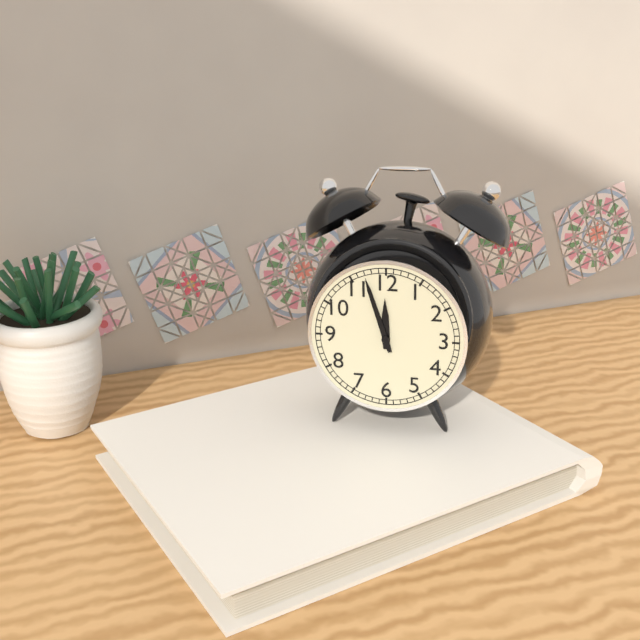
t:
11 h 57 min
